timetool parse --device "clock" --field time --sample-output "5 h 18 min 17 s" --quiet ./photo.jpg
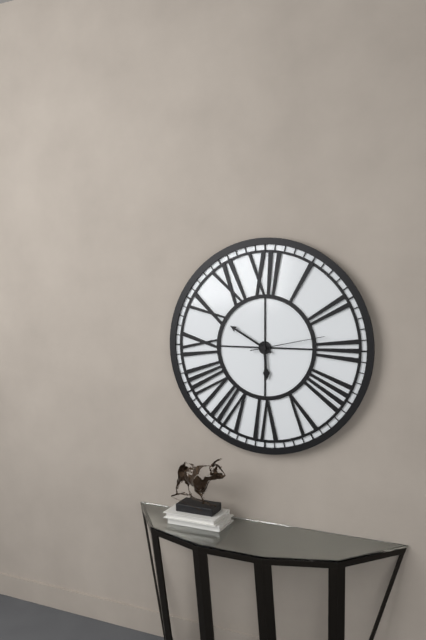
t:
5 h 50 min 13 s
